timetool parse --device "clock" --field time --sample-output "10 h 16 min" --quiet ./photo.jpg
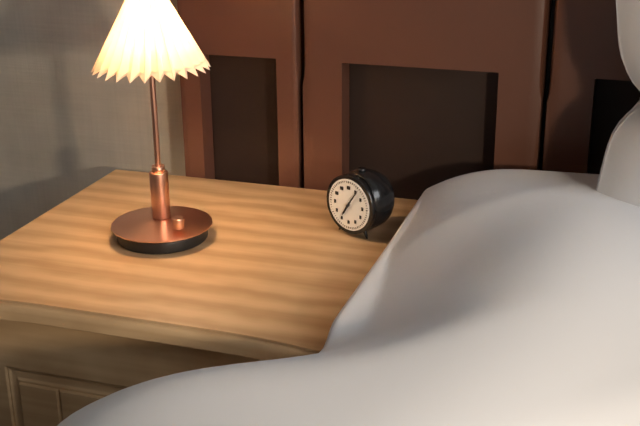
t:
7 h 06 min
